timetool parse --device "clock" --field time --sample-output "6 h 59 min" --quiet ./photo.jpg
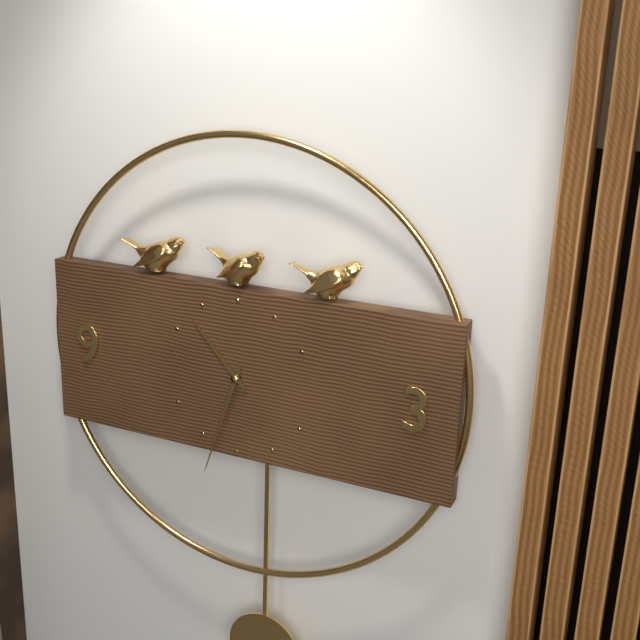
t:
10 h 33 min
